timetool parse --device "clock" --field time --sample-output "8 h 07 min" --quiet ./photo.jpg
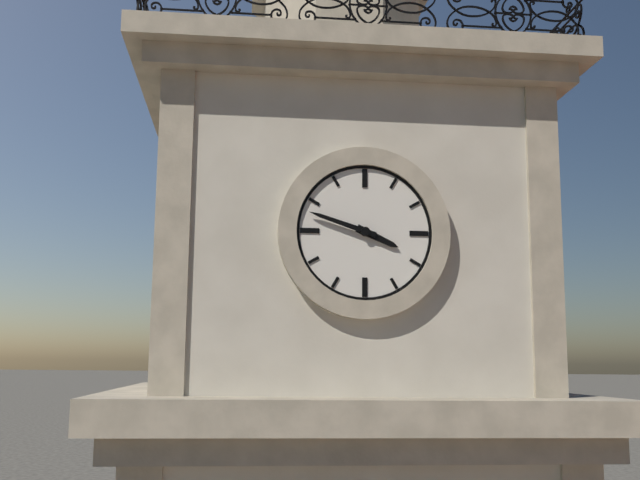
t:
3 h 48 min
